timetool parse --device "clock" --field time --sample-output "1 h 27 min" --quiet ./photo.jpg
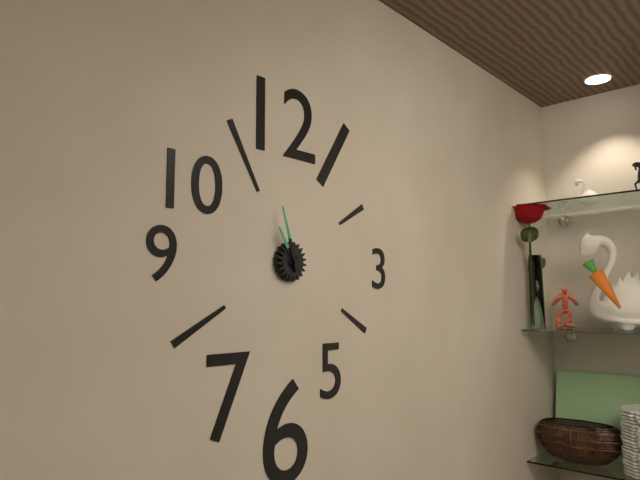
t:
10 h 57 min
